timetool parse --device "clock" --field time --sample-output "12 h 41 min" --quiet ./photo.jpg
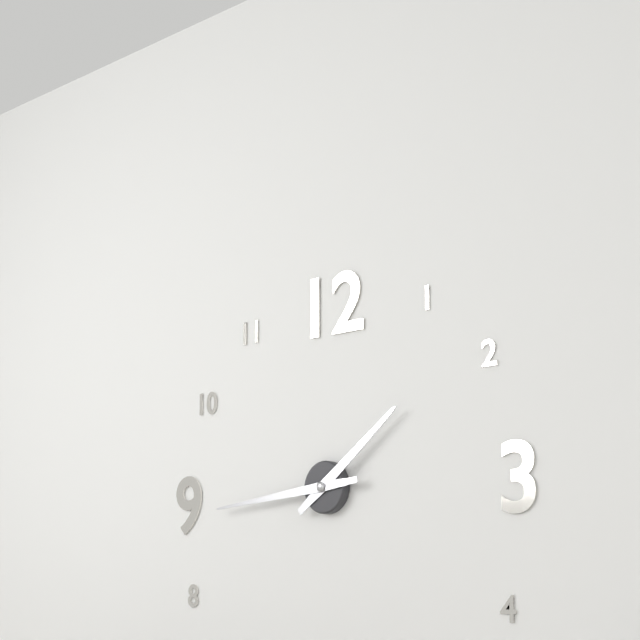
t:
1 h 44 min
